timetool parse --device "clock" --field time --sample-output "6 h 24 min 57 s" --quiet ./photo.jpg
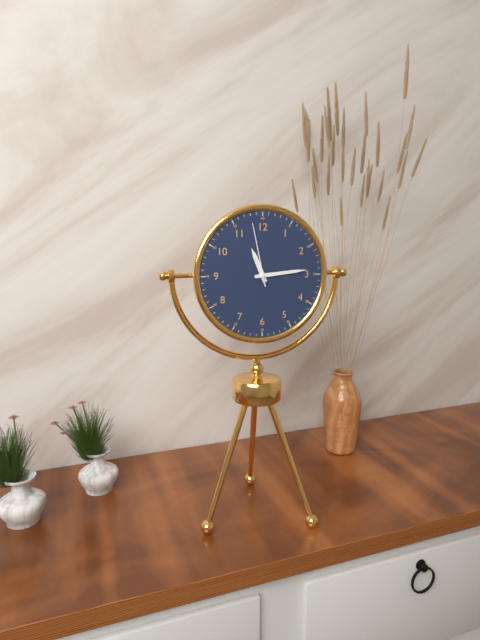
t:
11 h 14 min 58 s
